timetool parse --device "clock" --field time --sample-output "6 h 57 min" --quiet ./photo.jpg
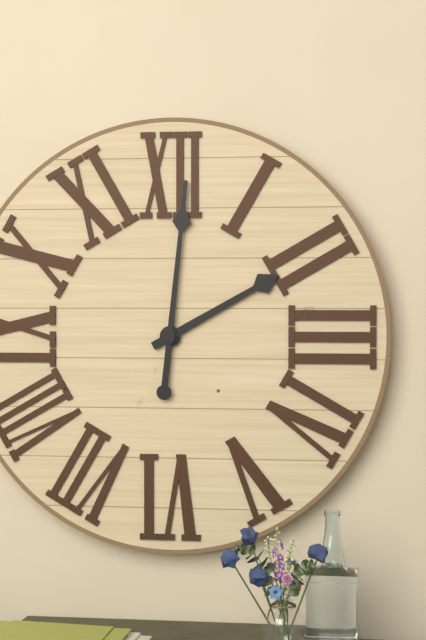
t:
2 h 01 min
